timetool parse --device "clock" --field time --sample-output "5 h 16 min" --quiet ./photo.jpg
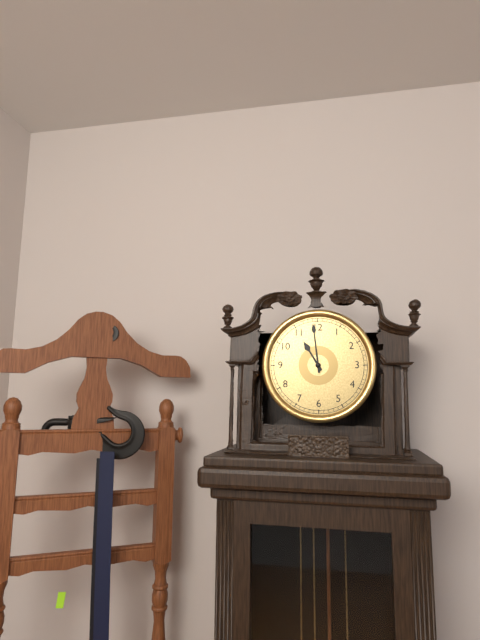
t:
10 h 59 min
